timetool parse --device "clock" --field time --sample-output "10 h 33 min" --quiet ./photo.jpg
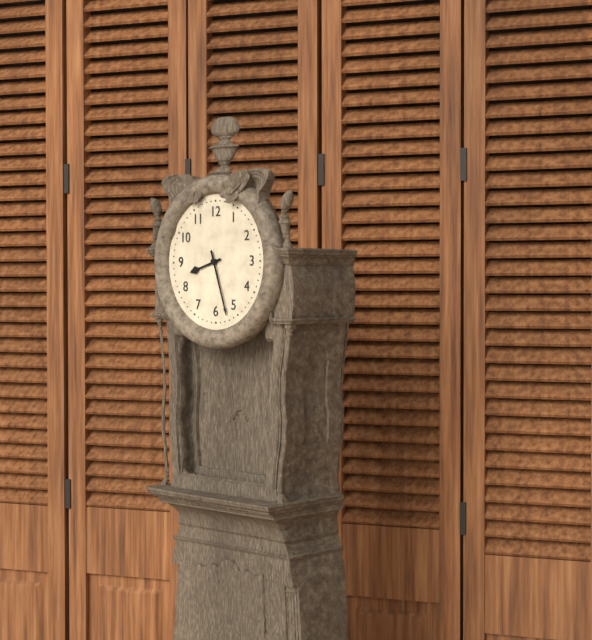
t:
8 h 27 min
